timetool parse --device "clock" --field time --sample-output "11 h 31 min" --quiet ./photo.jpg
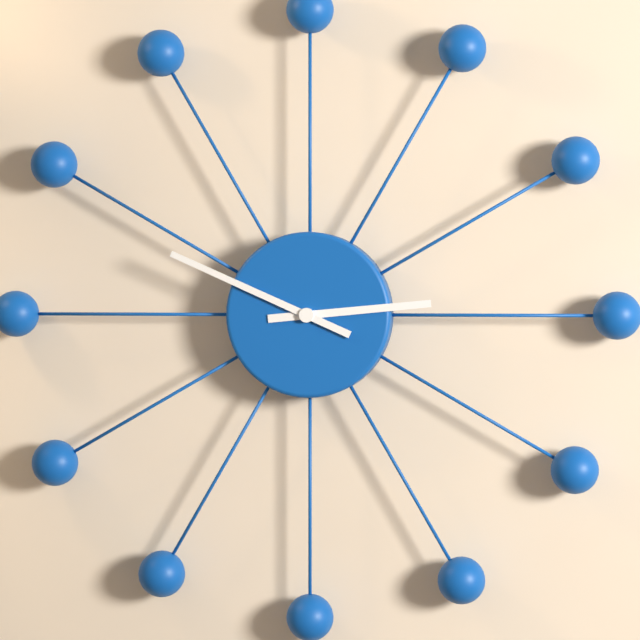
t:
2 h 49 min
